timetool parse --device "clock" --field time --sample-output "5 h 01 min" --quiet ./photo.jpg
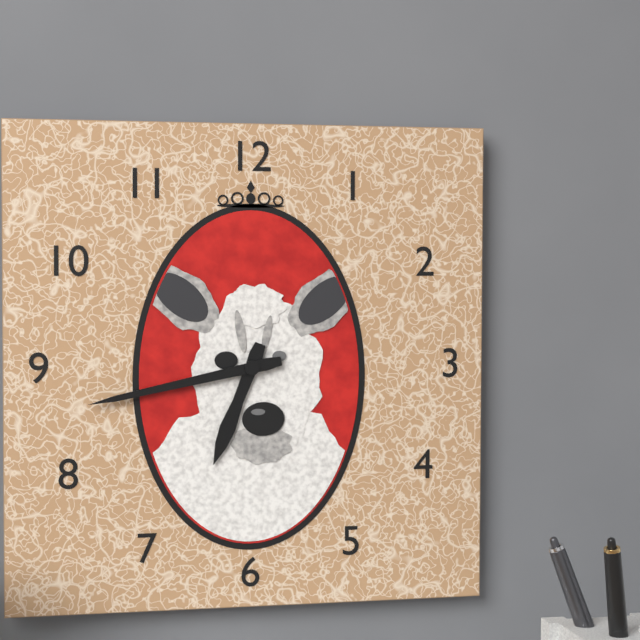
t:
6 h 43 min
